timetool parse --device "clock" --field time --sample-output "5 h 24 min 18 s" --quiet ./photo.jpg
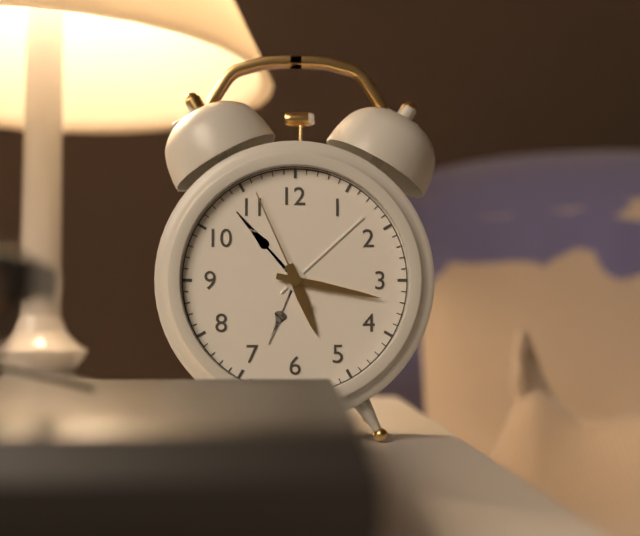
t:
5 h 17 min 56 s
